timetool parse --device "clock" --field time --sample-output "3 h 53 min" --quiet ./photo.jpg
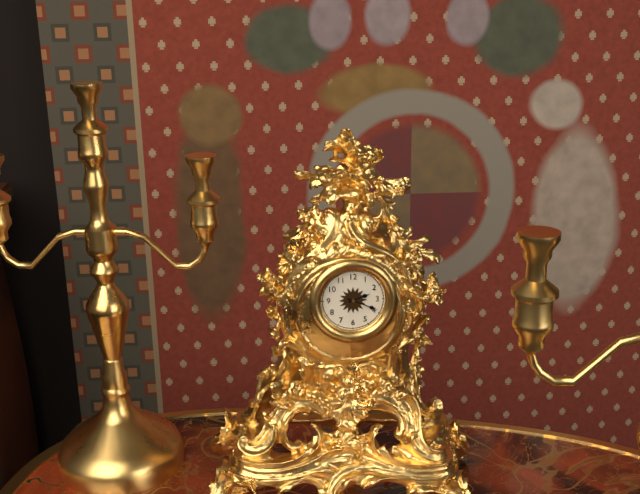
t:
2 h 19 min
